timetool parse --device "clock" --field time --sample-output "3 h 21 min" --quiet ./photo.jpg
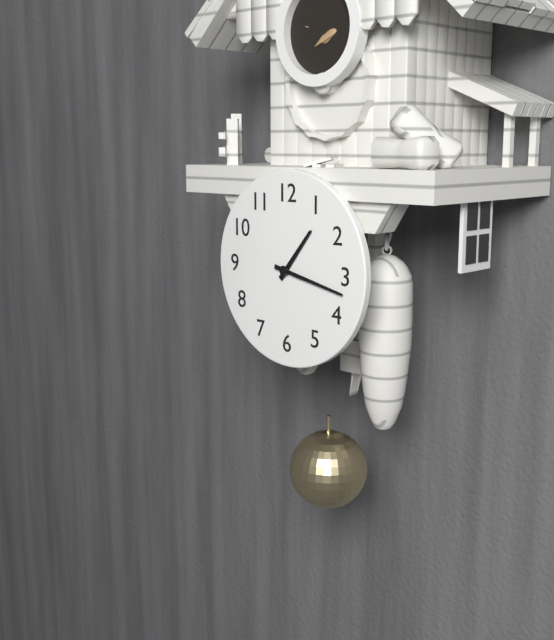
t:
1 h 17 min
